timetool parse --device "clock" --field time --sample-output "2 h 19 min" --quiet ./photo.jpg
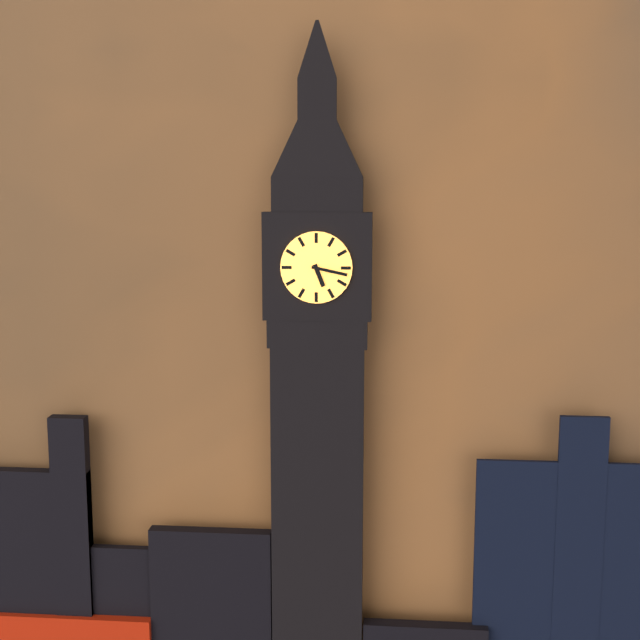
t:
5 h 17 min
